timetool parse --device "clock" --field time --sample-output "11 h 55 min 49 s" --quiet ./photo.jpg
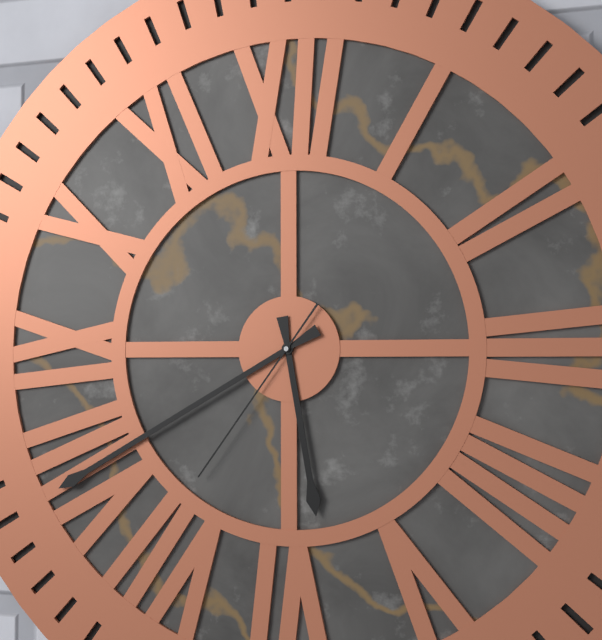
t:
5 h 40 min 36 s
